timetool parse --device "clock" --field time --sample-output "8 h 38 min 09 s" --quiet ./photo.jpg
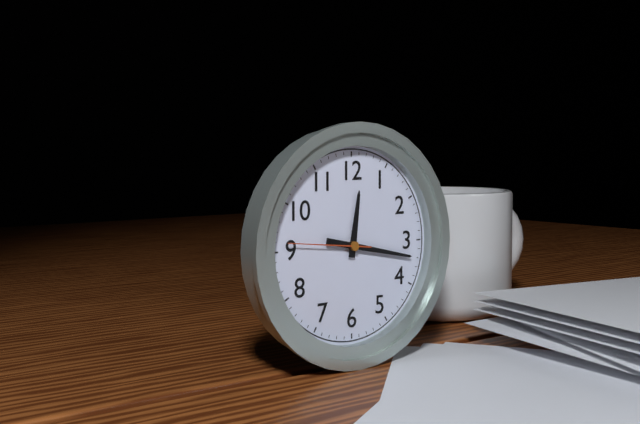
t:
12 h 17 min 46 s
